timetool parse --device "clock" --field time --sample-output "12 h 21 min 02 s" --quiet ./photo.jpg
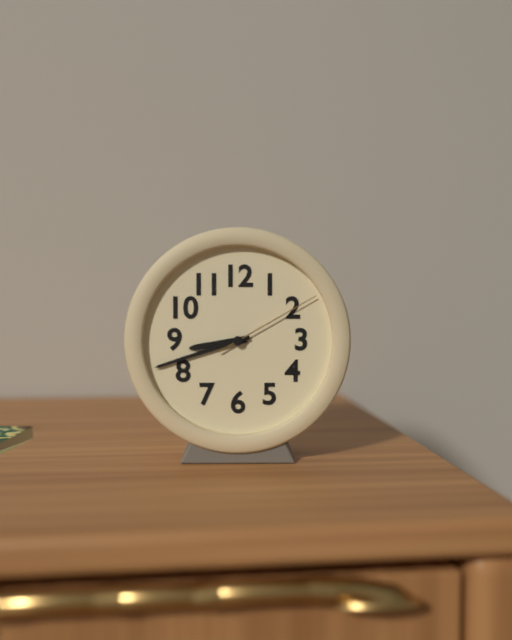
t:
8 h 42 min 10 s
